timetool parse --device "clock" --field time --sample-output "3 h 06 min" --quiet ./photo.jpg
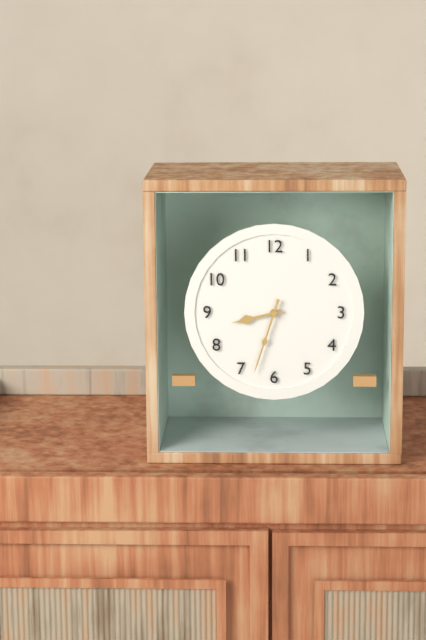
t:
8 h 33 min
